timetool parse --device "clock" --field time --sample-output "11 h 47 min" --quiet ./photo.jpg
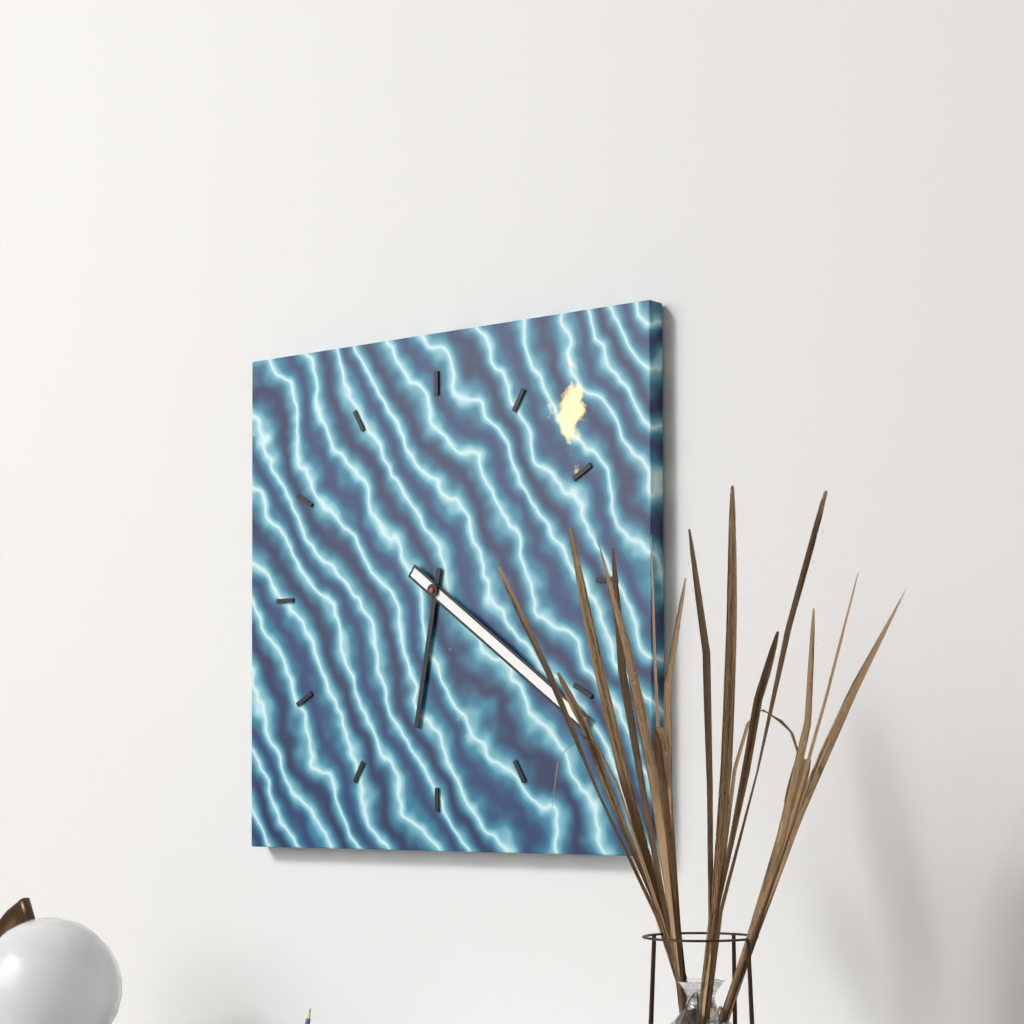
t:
6 h 21 min
